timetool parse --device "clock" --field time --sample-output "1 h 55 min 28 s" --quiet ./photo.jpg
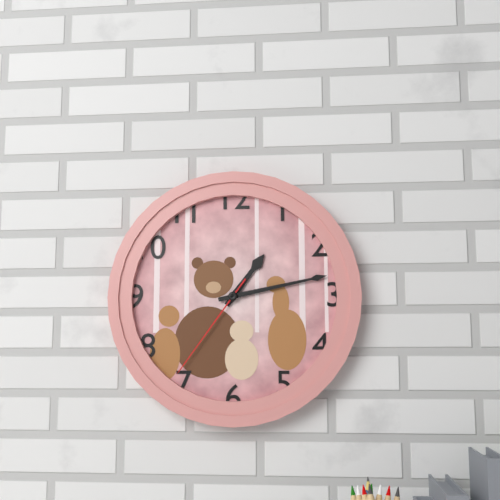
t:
1 h 13 min 36 s
